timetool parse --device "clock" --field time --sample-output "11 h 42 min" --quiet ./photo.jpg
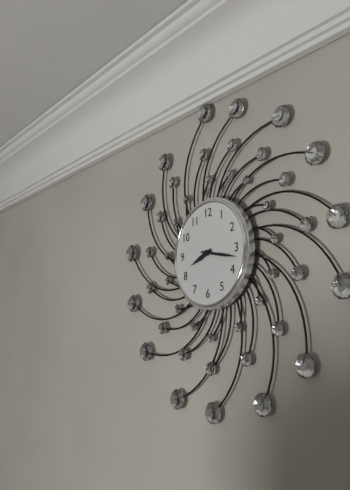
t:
8 h 17 min
